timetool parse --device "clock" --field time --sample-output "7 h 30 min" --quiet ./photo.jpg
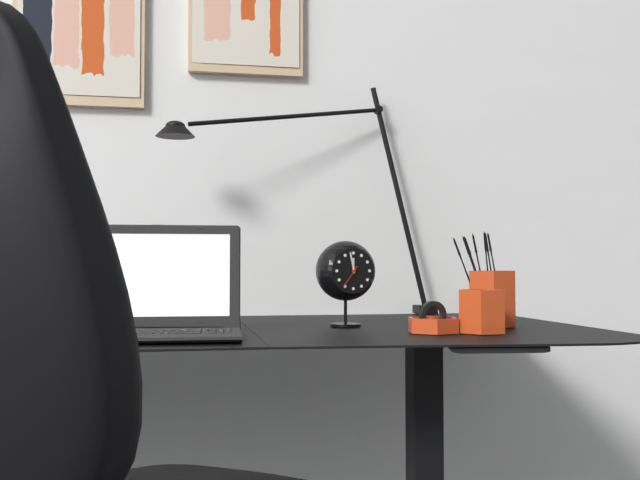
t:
11 h 58 min
